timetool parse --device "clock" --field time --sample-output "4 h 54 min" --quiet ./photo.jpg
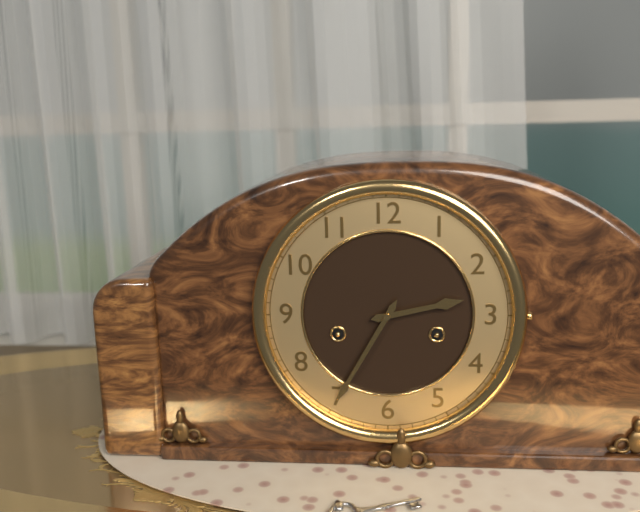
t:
2 h 35 min
